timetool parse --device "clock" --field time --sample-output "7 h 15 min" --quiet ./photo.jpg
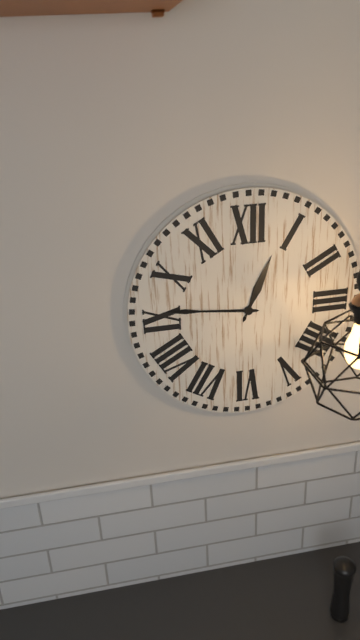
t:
12 h 46 min
